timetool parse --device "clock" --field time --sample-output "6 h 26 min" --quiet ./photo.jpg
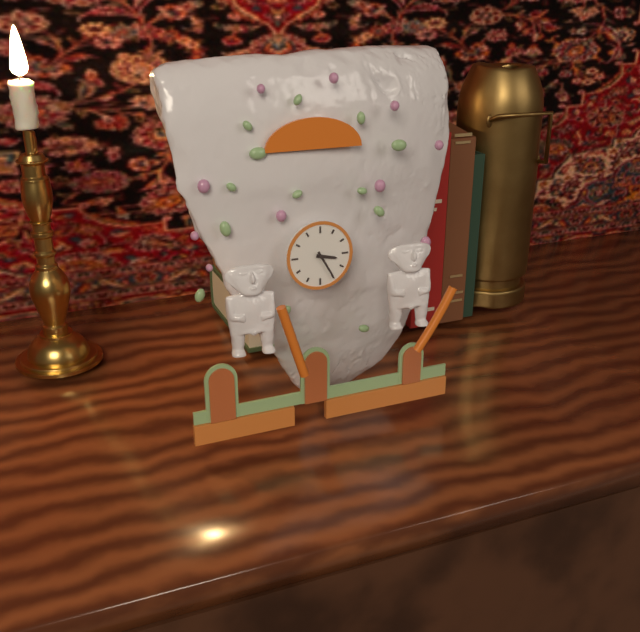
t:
3 h 25 min
